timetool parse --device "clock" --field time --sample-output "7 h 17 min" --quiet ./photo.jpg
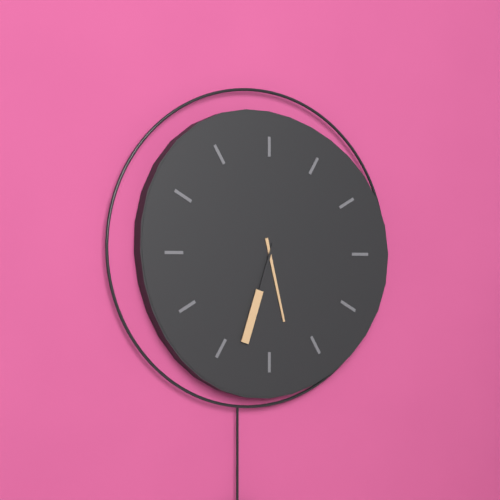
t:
5 h 33 min
